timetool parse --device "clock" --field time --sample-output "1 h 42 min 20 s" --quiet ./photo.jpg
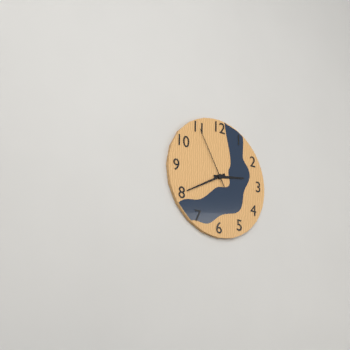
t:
2 h 40 min 55 s
